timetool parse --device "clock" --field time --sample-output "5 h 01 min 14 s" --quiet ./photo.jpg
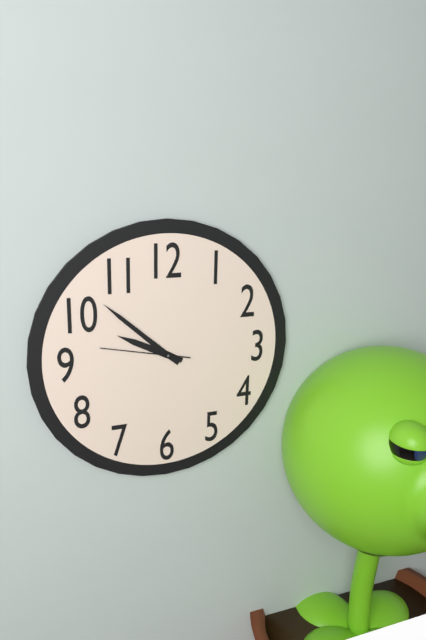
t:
9 h 52 min 47 s
